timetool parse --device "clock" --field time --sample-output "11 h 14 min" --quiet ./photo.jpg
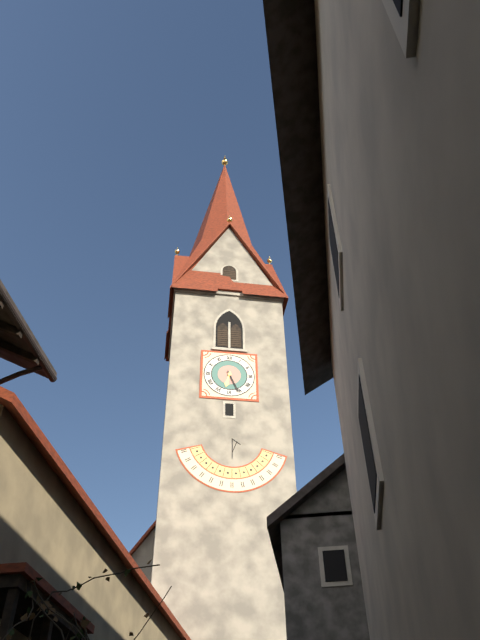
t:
6 h 26 min
